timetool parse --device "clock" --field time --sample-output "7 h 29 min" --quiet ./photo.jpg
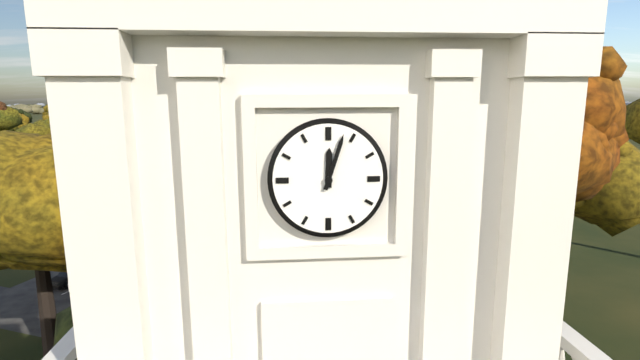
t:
12 h 03 min
